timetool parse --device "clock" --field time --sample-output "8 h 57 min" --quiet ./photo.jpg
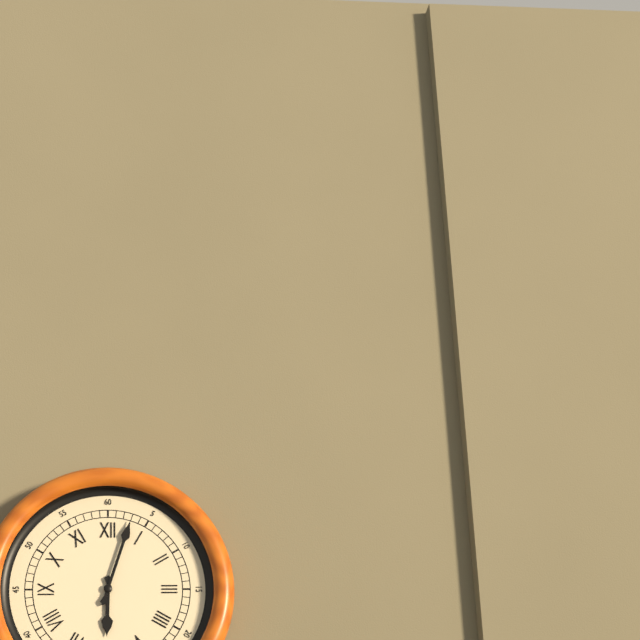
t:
6 h 03 min
